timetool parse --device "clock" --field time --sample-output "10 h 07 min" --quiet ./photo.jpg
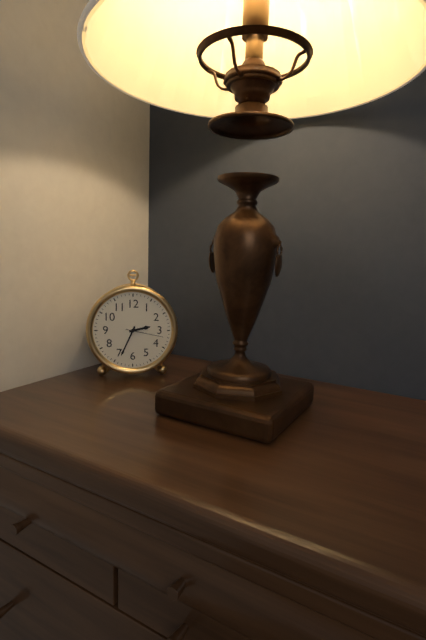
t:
2 h 34 min
